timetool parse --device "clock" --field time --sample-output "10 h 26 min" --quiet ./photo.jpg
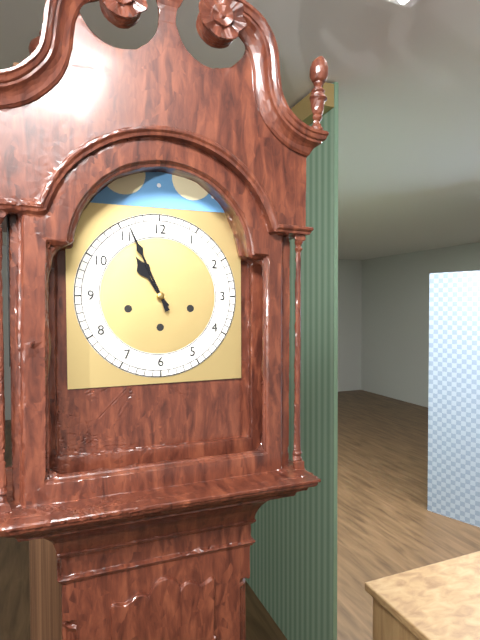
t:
10 h 56 min
